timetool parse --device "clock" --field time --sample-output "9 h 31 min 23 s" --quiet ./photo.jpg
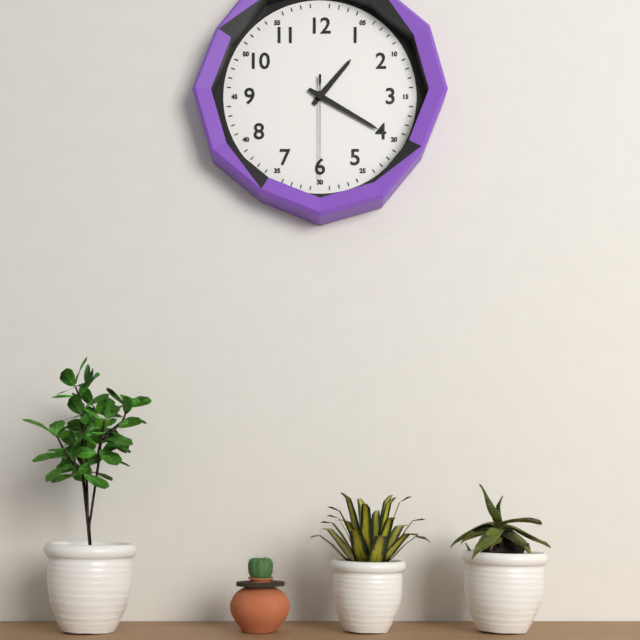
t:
1 h 20 min 30 s
